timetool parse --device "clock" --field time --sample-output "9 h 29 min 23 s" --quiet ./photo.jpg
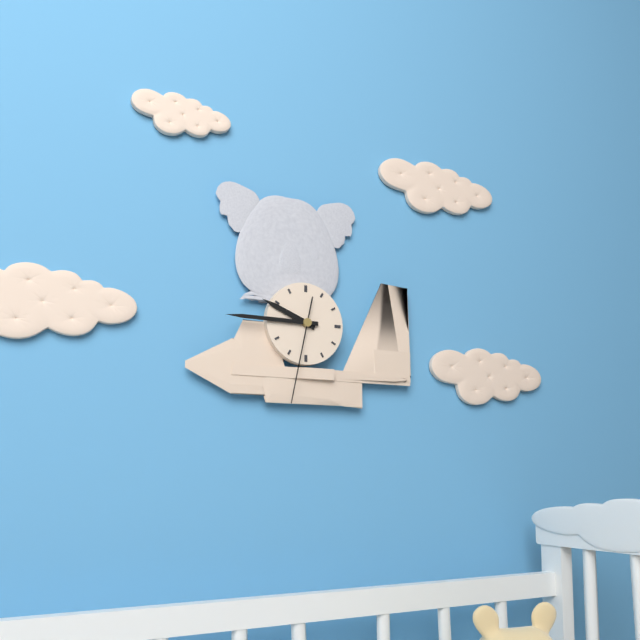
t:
9 h 45 min 32 s
